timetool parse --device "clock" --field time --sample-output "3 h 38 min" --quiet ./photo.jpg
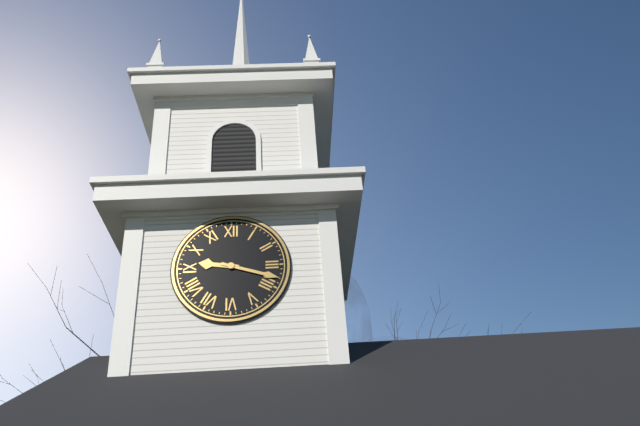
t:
9 h 18 min
